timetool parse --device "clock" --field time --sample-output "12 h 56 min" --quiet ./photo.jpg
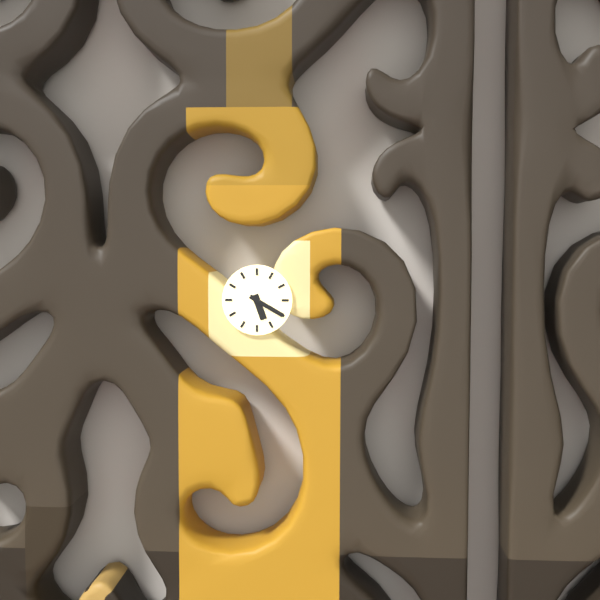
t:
5 h 20 min
